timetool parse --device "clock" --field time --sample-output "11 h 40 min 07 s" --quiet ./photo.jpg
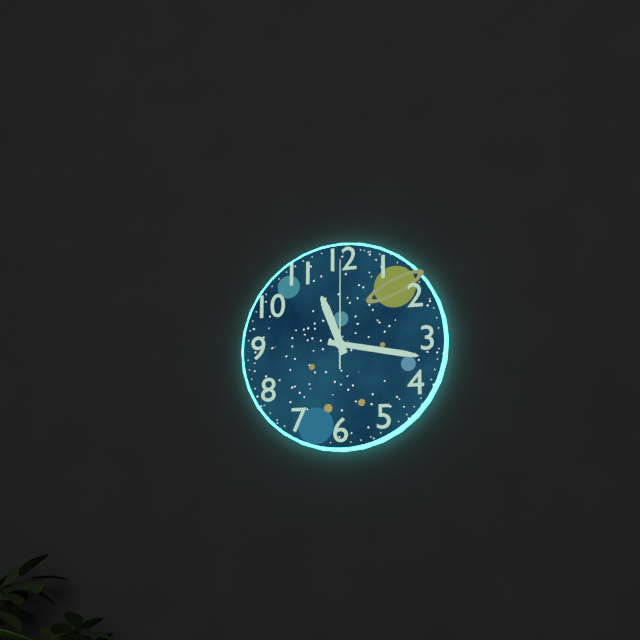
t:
11 h 17 min 00 s
